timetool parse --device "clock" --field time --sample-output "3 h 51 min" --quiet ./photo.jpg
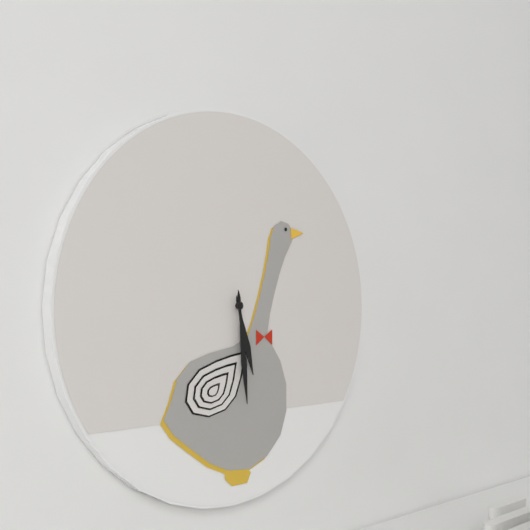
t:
5 h 29 min
